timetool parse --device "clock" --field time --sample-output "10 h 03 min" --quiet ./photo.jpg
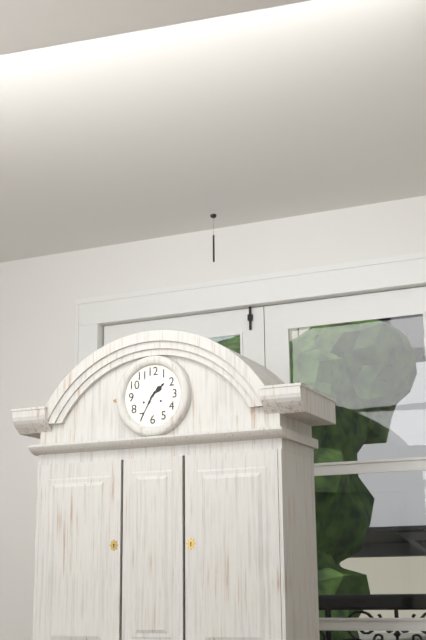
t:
1 h 35 min
